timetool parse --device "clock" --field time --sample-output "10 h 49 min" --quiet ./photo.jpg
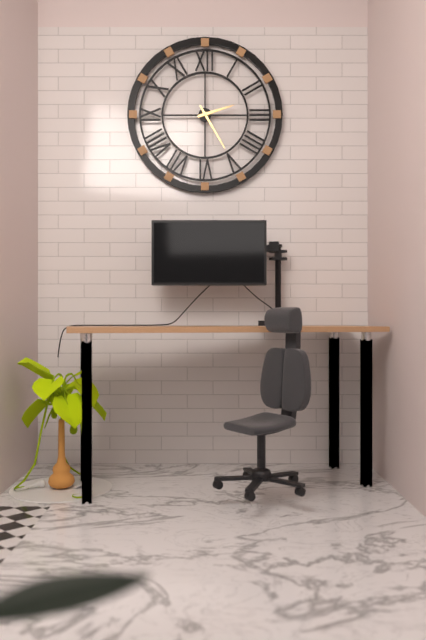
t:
2 h 25 min
